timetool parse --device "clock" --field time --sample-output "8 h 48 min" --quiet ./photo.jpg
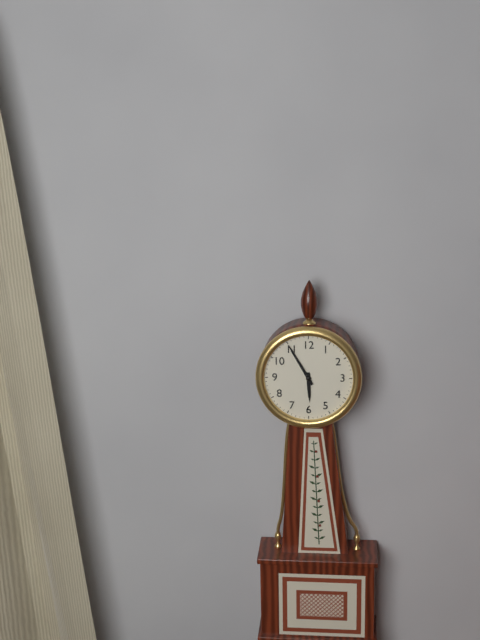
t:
5 h 55 min
